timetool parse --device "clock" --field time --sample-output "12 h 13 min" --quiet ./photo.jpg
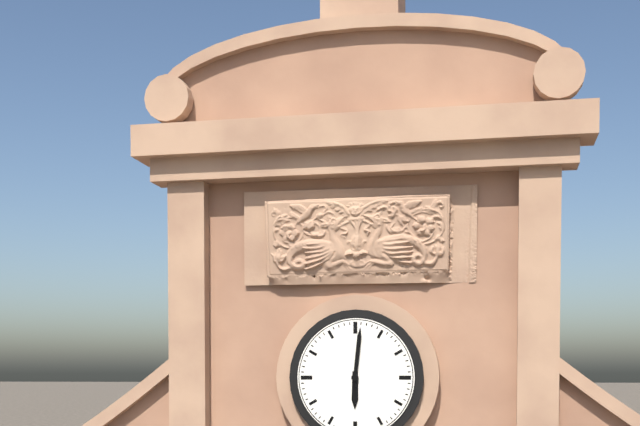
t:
6 h 01 min
